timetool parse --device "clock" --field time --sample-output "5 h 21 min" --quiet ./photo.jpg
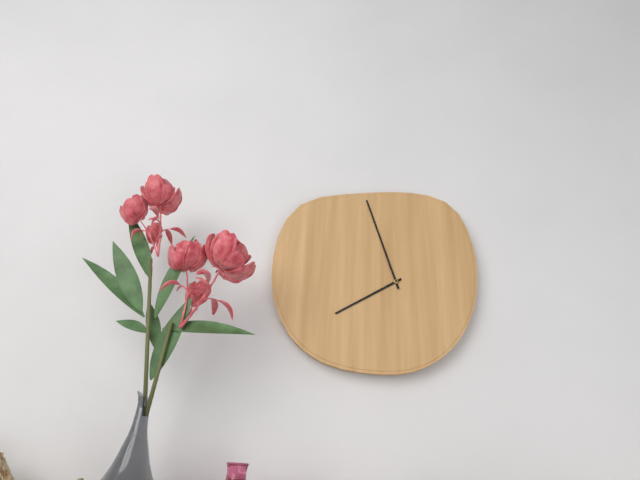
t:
7 h 57 min
